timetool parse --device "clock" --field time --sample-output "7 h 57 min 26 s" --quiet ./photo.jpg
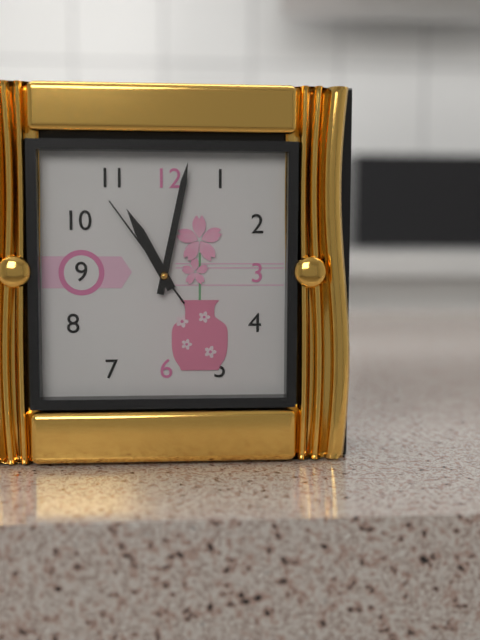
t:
11 h 02 min 54 s
